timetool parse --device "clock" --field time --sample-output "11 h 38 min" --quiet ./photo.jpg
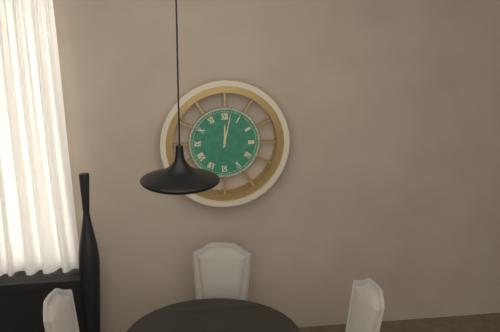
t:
12 h 02 min
